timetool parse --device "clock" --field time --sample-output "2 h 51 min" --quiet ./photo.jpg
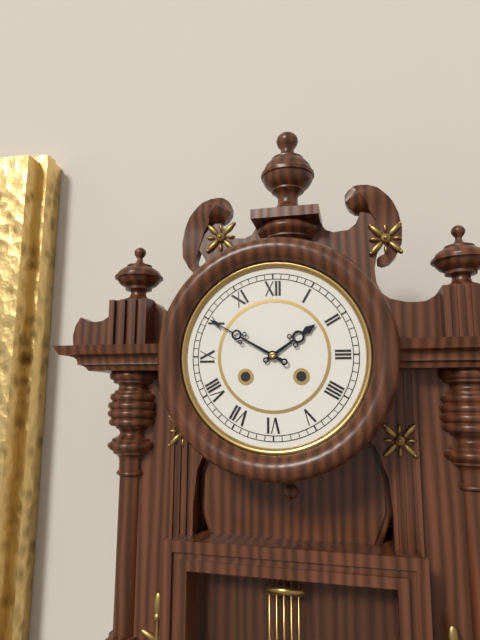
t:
1 h 50 min
